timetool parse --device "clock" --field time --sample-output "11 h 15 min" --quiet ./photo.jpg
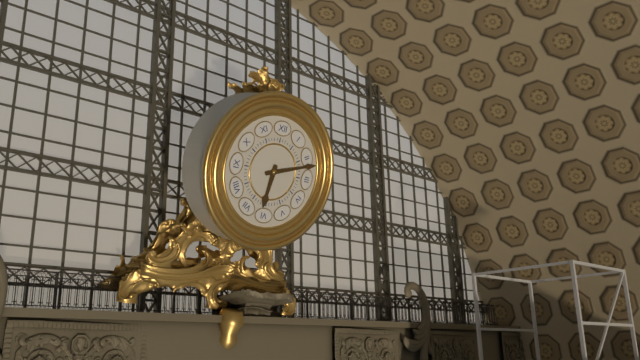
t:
6 h 12 min
